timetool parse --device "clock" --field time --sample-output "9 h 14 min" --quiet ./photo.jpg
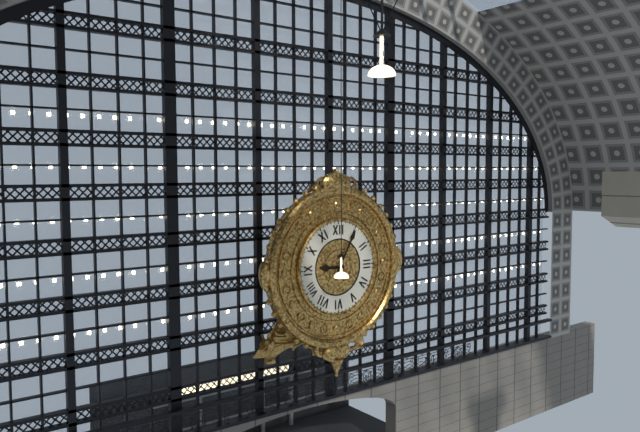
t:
9 h 05 min
